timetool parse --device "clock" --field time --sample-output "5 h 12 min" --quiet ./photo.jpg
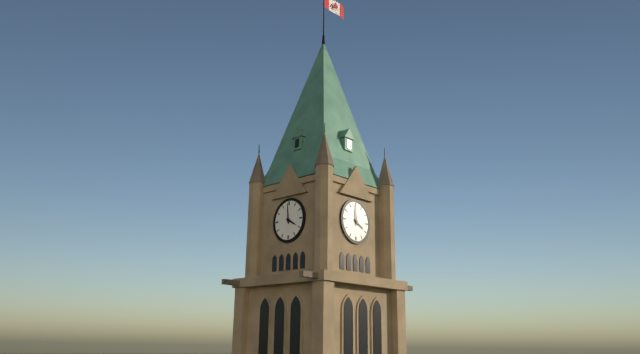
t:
3 h 59 min
